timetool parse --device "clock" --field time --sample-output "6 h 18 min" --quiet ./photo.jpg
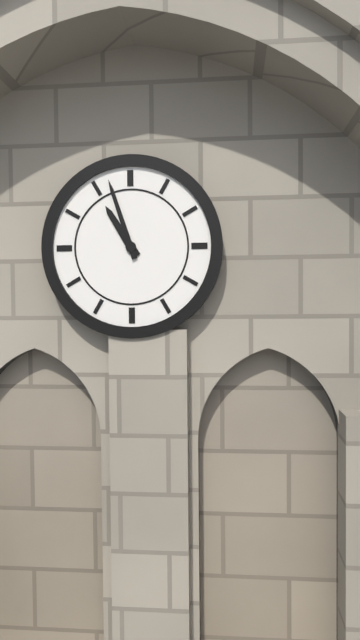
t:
10 h 57 min
